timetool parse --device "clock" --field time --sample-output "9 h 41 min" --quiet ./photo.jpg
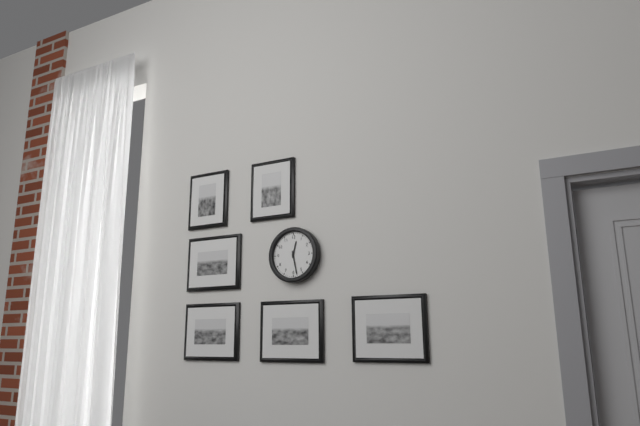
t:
12 h 28 min
